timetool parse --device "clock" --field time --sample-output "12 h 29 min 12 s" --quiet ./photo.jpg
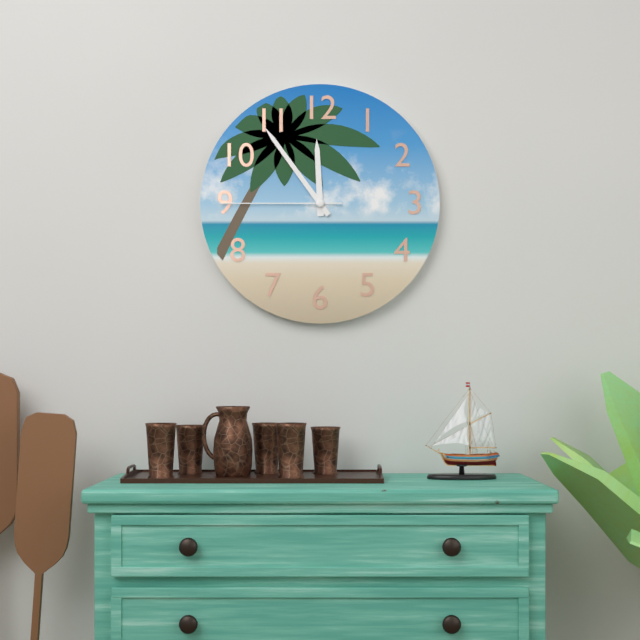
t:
11 h 54 min 45 s
